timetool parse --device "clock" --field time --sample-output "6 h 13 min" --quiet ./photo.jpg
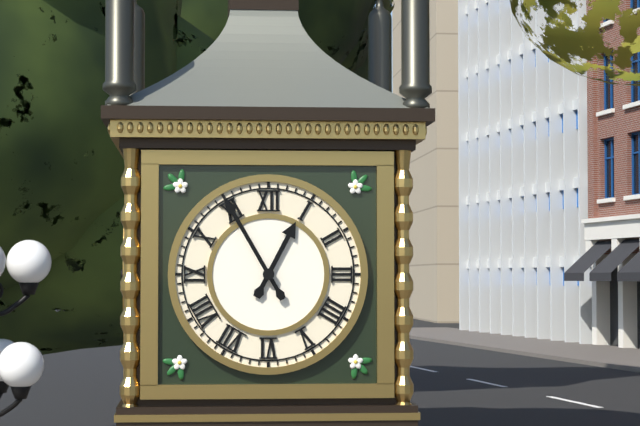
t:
12 h 55 min
